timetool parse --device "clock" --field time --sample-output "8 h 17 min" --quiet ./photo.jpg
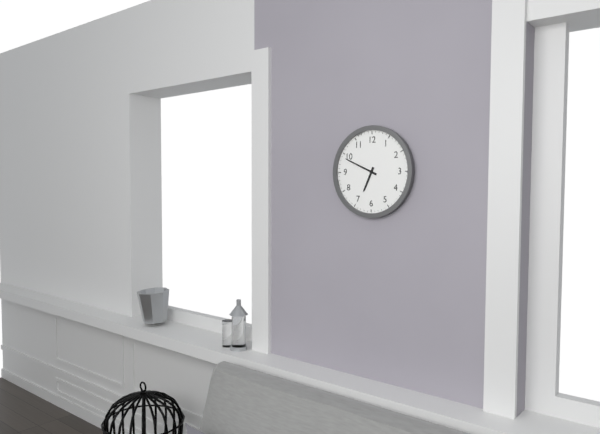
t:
6 h 49 min
